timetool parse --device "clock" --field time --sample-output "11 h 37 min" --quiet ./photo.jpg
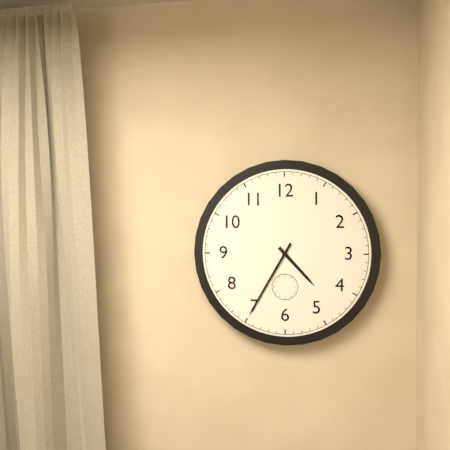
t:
4 h 35 min
